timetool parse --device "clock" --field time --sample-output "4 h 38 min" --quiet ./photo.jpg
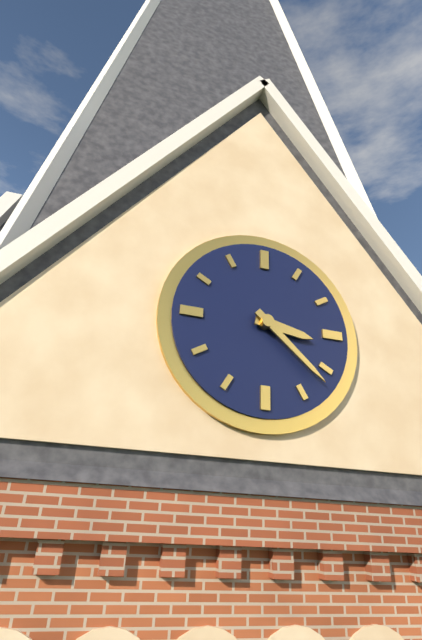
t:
3 h 22 min
